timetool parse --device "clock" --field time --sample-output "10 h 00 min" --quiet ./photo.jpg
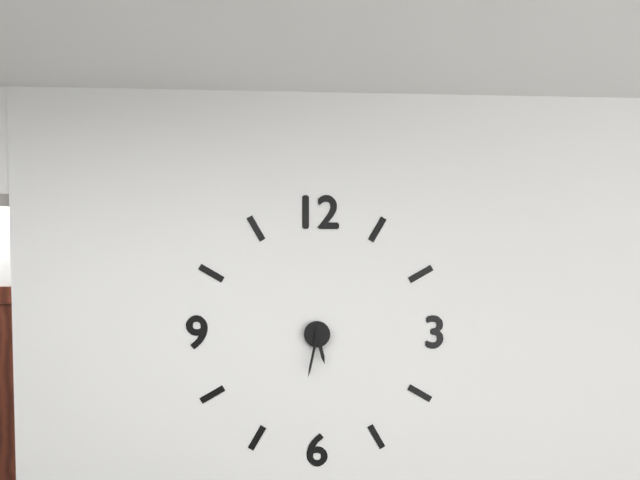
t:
5 h 32 min
